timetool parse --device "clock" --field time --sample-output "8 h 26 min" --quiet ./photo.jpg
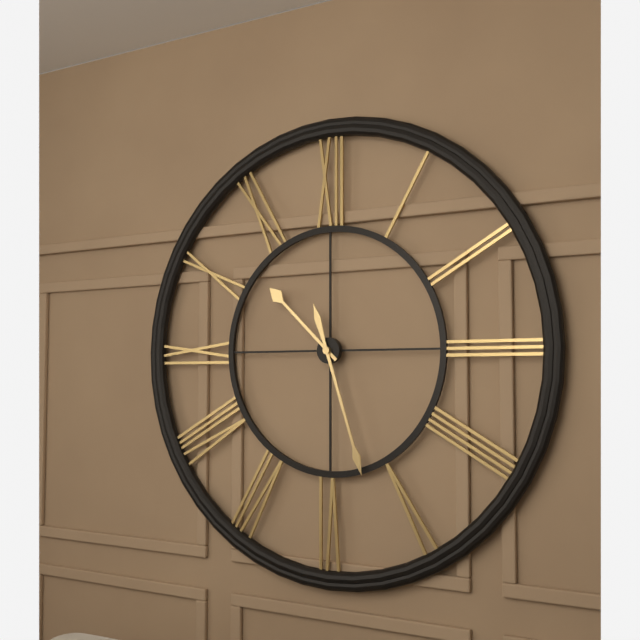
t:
10 h 27 min
